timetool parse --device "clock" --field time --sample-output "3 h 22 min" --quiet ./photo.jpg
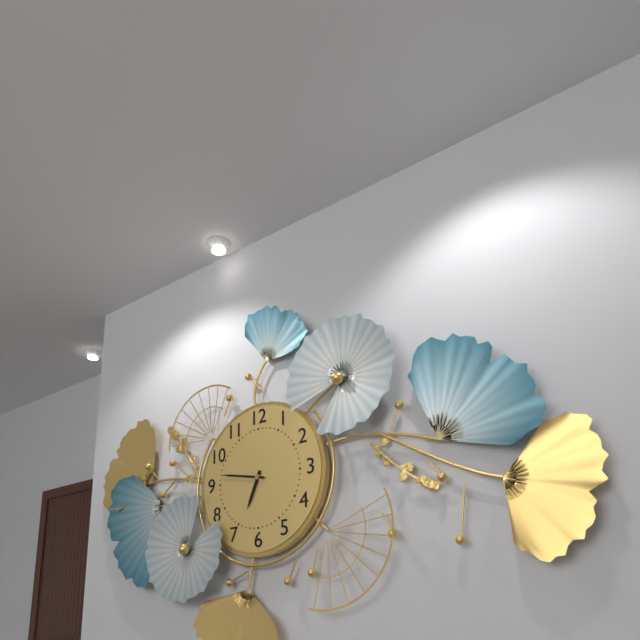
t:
6 h 47 min
